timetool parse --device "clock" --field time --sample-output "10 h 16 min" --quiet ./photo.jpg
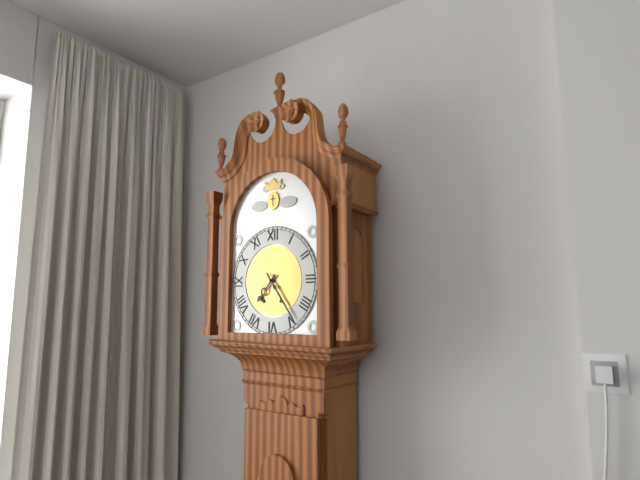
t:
7 h 24 min
